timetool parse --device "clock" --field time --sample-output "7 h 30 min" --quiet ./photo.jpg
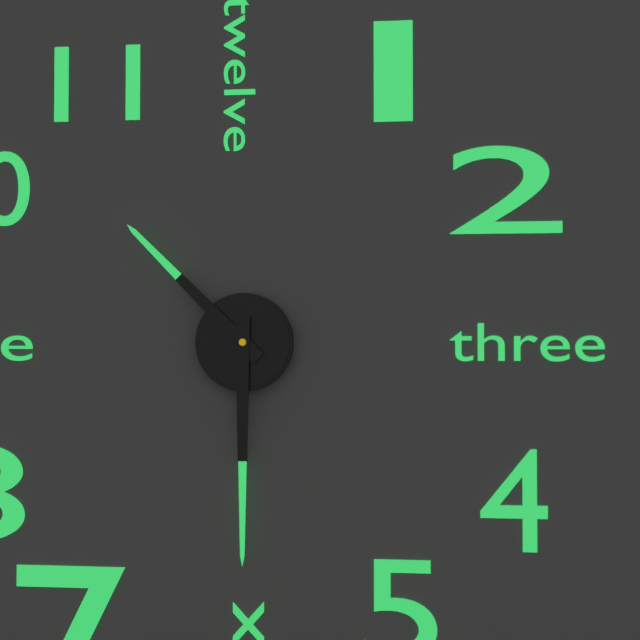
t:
10 h 30 min
